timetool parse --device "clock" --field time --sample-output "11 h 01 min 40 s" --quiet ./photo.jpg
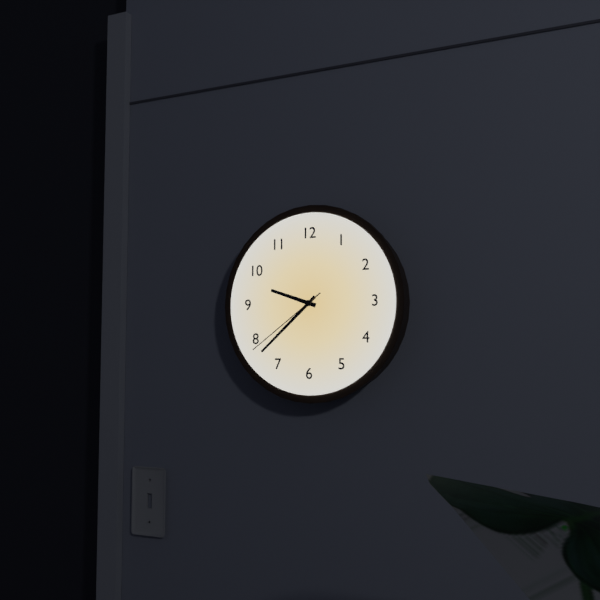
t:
9 h 38 min 39 s
